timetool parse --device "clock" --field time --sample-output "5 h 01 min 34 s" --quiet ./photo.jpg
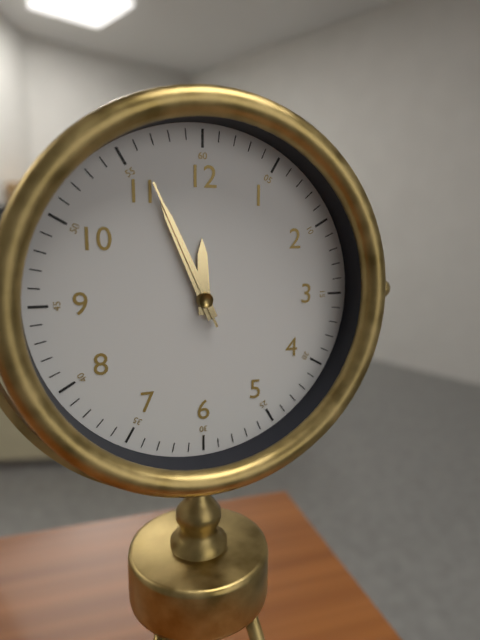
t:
11 h 56 min 56 s
